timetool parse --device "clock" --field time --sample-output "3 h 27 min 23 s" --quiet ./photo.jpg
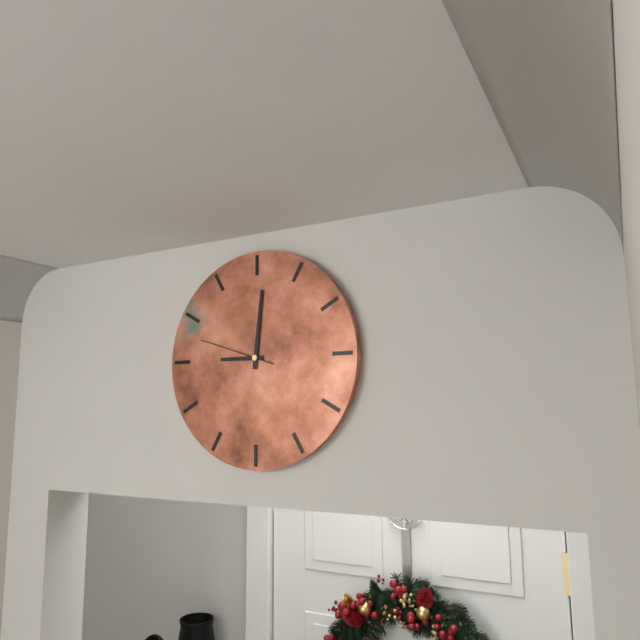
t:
9 h 01 min 48 s
